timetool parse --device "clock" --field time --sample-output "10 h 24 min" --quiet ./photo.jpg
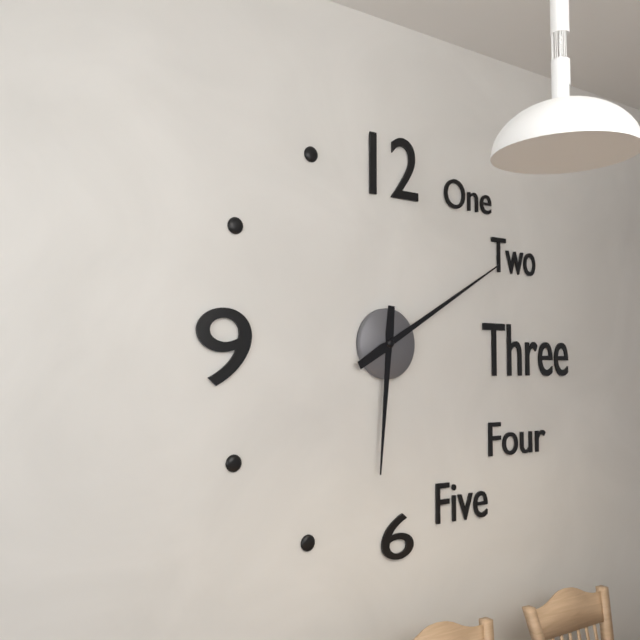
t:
6 h 10 min
